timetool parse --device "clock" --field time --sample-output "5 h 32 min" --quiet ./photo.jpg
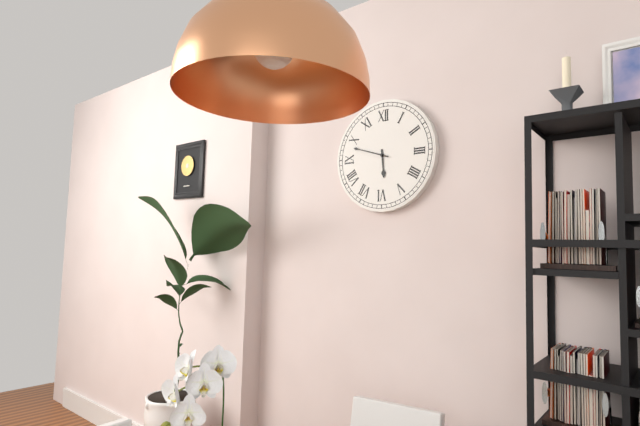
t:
5 h 48 min
